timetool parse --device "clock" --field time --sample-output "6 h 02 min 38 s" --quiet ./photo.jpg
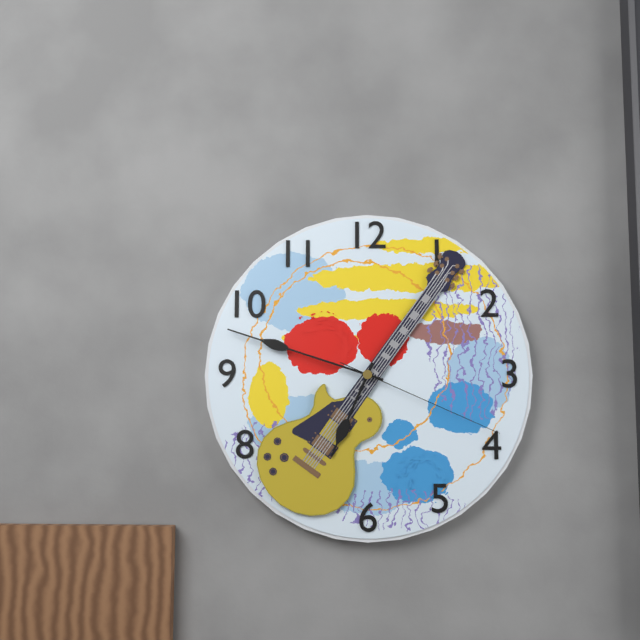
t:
6 h 48 min 19 s
